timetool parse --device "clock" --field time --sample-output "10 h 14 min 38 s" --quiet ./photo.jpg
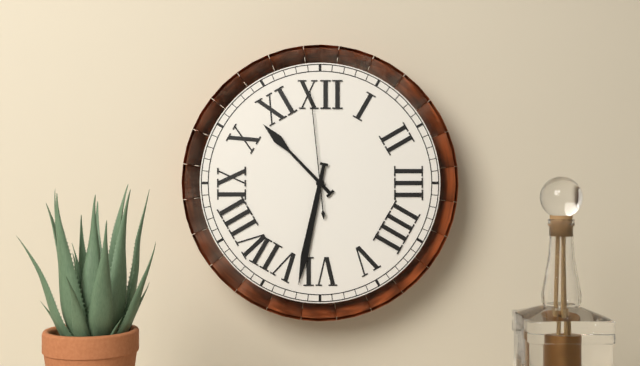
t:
10 h 32 min 59 s
